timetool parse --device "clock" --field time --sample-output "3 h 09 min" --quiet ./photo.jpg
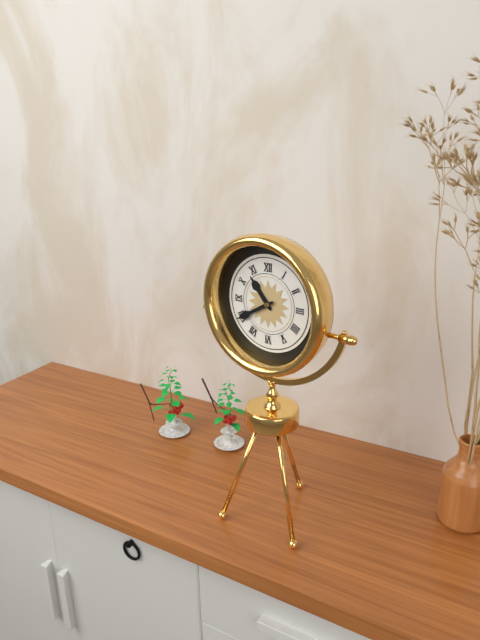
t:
10 h 40 min
